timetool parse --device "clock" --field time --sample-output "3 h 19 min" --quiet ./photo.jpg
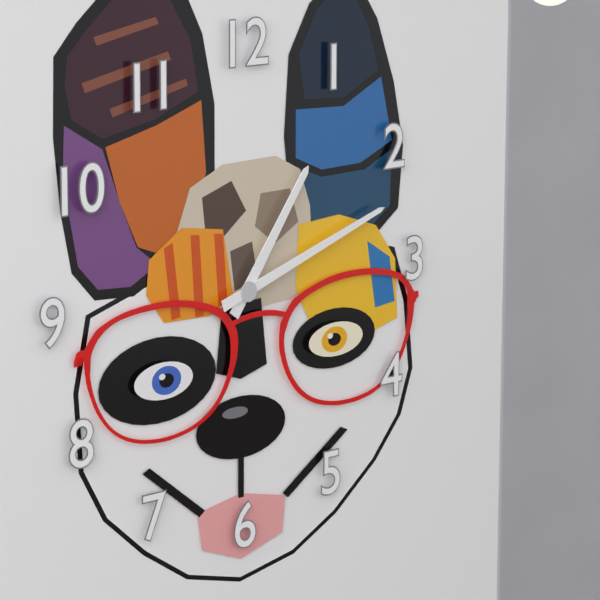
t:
1 h 12 min
